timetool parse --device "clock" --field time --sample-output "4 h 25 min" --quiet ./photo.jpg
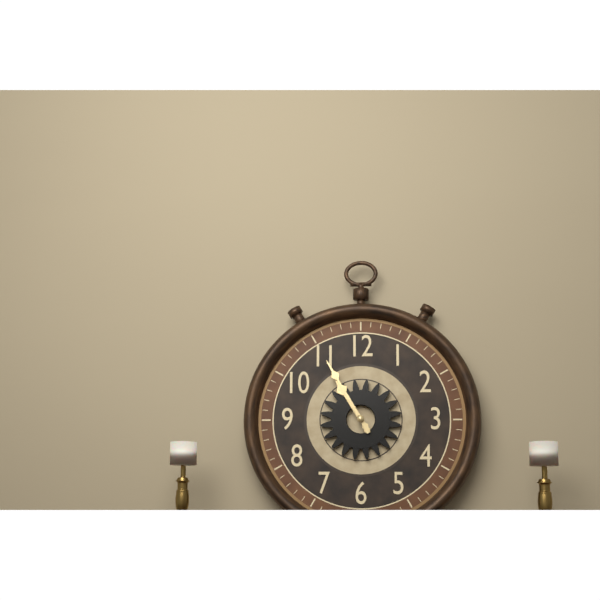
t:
10 h 55 min
